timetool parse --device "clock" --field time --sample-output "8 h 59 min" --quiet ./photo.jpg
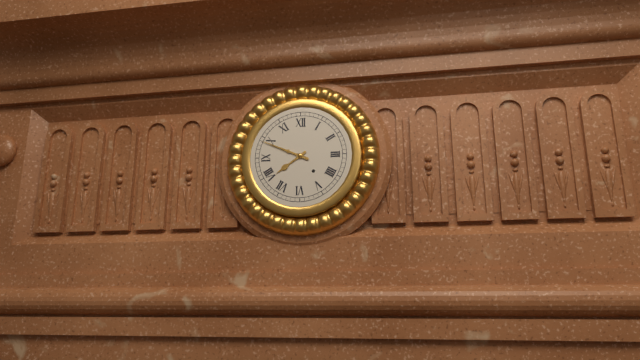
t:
7 h 49 min
